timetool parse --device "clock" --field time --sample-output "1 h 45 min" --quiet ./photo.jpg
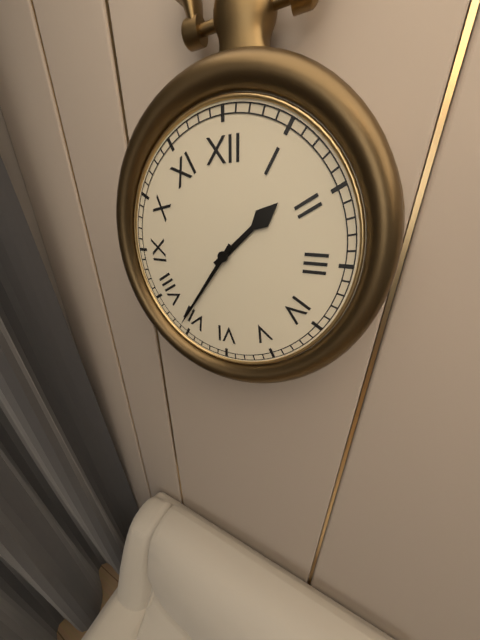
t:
1 h 36 min
